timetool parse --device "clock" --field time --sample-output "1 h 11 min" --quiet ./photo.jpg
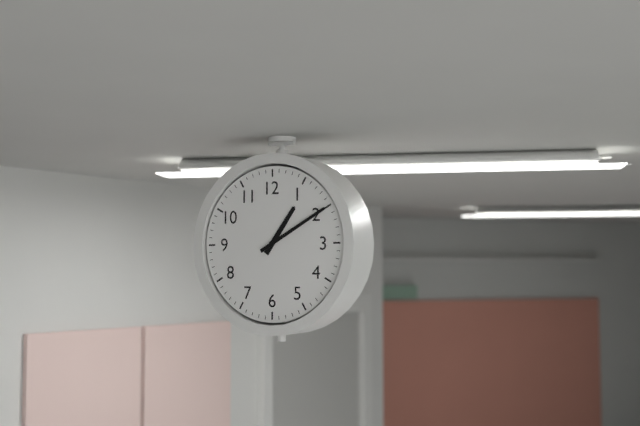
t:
1 h 10 min
